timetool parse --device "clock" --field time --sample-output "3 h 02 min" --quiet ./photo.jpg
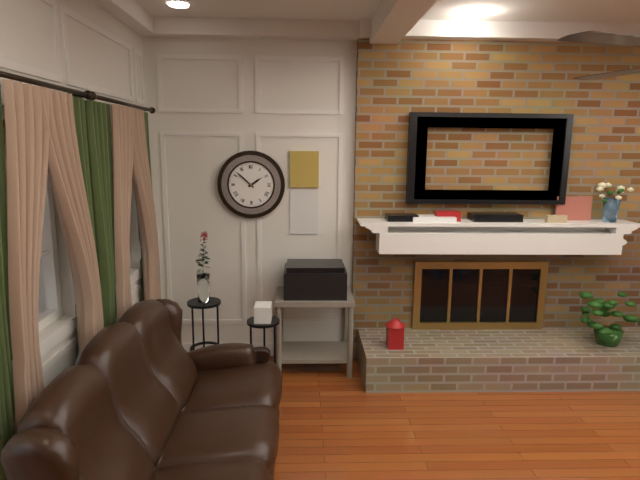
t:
1 h 52 min
